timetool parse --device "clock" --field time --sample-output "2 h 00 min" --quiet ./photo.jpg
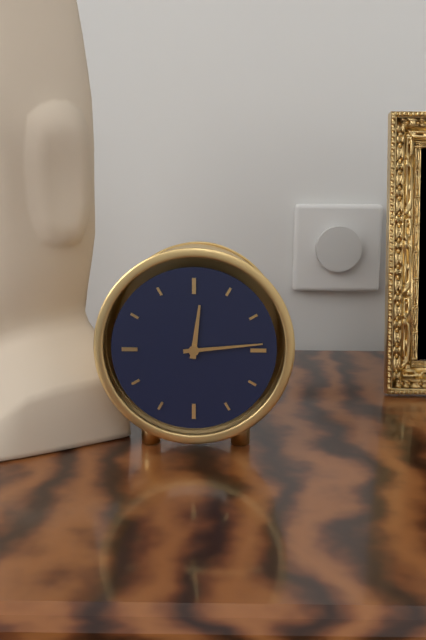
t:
12 h 14 min
